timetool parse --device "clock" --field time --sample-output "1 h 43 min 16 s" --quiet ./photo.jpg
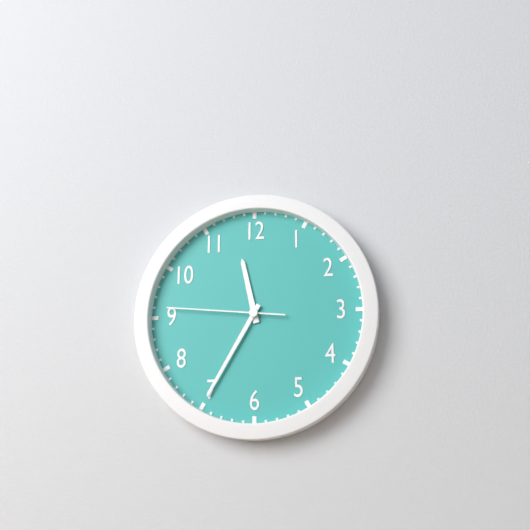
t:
11 h 35 min 46 s
